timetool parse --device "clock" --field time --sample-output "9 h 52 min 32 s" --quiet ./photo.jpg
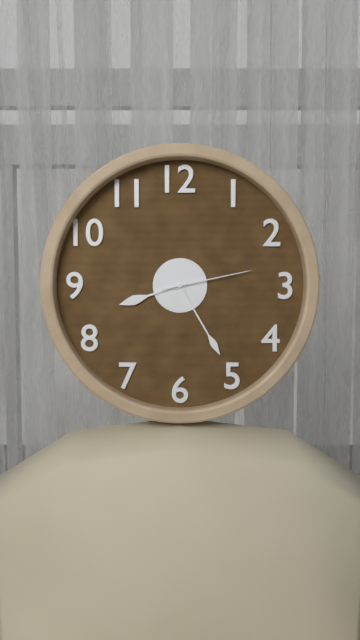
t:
8 h 25 min 13 s
